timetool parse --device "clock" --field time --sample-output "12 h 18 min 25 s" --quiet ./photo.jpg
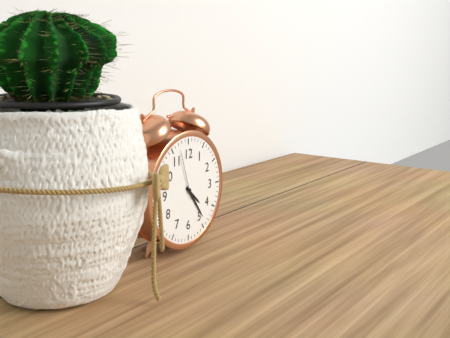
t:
4 h 24 min 57 s
